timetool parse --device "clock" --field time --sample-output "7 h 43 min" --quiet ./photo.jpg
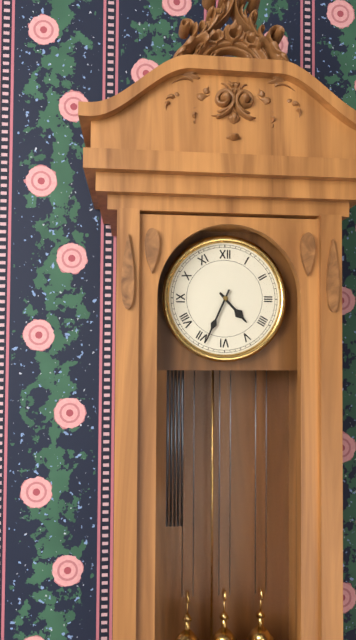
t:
4 h 34 min
